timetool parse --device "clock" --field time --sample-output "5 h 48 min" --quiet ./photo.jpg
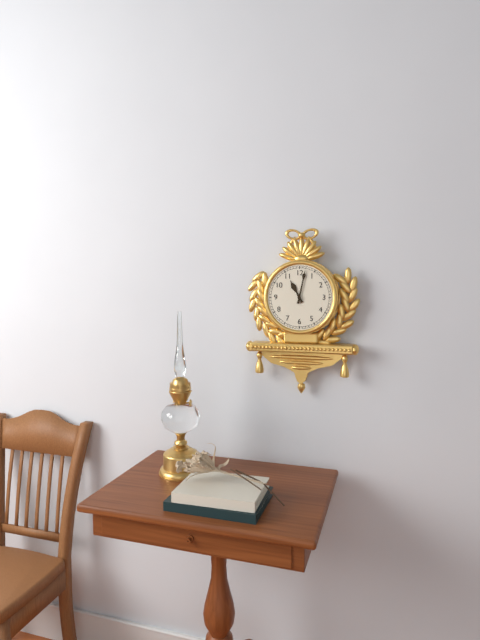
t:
11 h 02 min
